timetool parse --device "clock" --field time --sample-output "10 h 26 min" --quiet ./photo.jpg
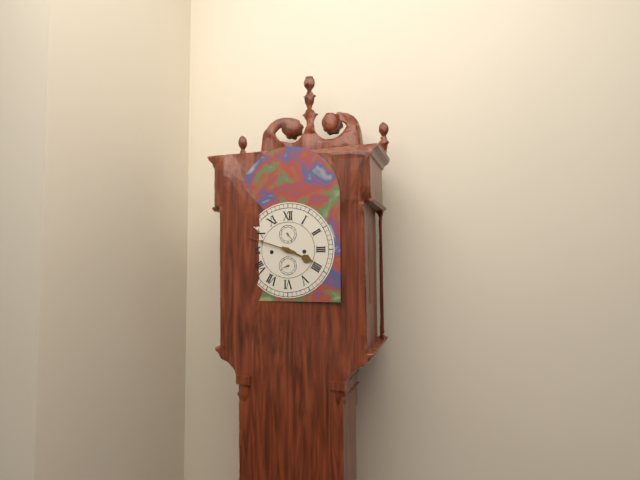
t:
3 h 48 min
